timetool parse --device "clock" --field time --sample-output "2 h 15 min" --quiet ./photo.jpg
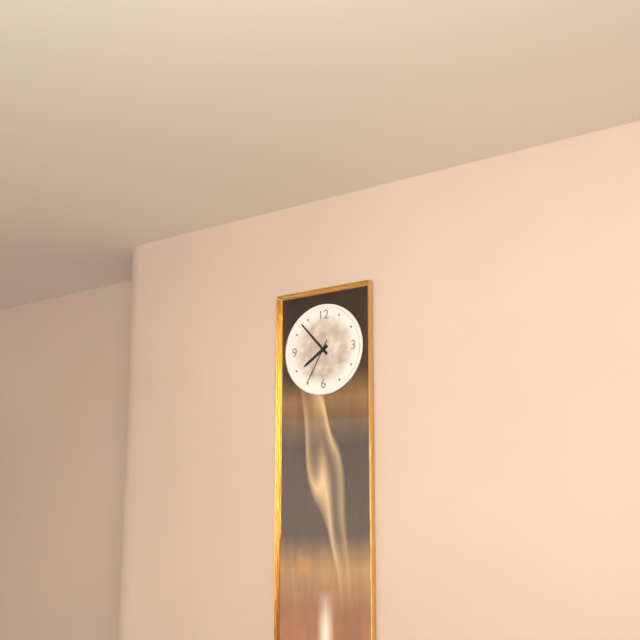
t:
7 h 53 min
